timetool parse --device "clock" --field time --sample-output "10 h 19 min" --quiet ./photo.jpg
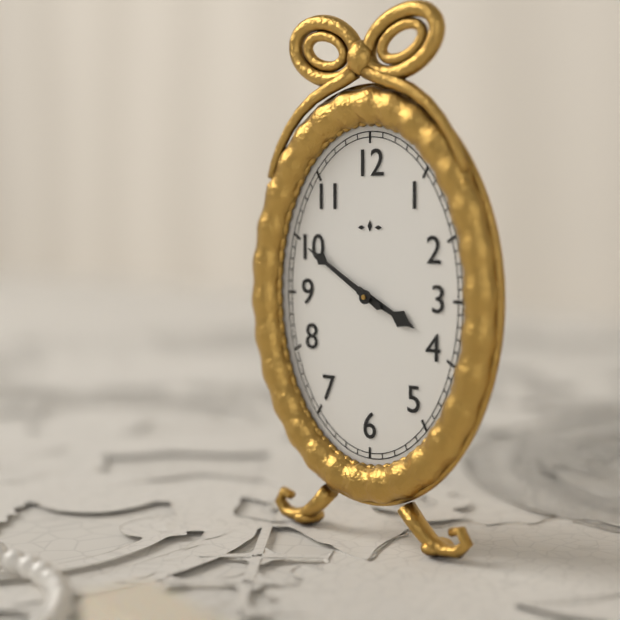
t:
3 h 50 min
